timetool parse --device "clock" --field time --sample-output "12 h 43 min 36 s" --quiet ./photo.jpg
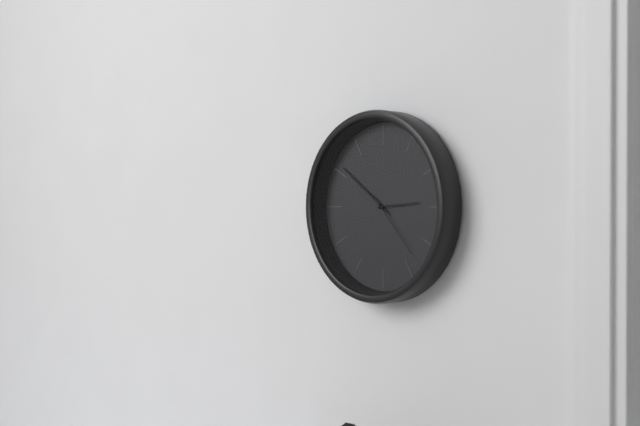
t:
2 h 51 min 23 s
